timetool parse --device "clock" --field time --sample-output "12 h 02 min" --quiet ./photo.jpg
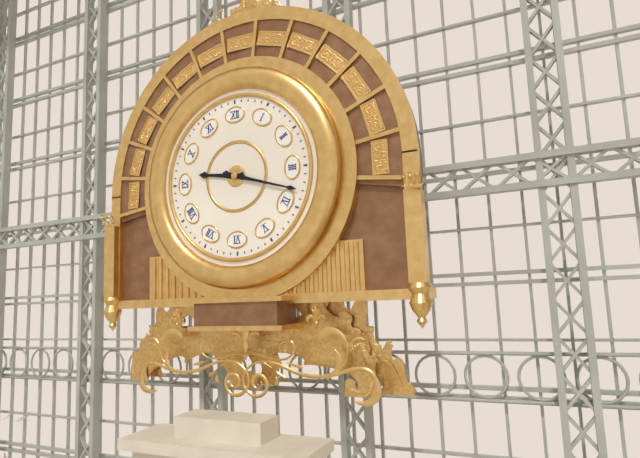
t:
9 h 18 min
